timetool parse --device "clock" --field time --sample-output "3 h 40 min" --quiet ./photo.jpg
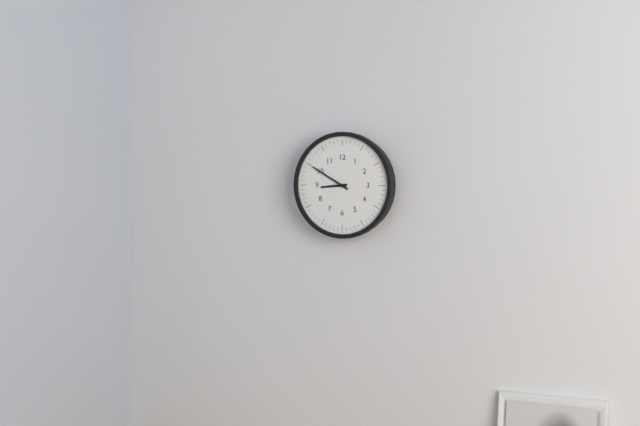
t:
8 h 50 min
